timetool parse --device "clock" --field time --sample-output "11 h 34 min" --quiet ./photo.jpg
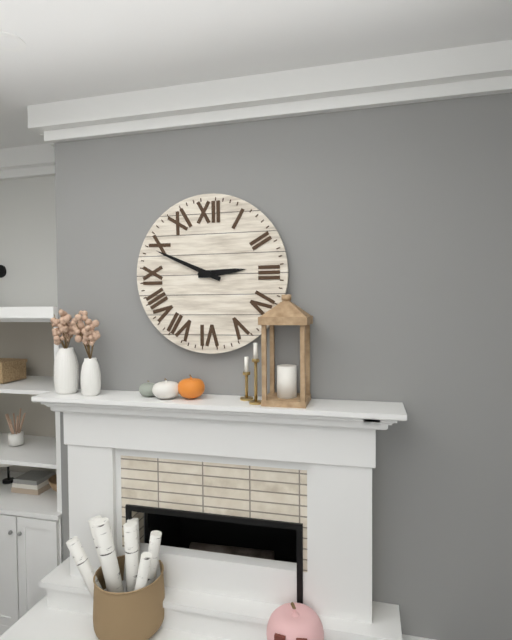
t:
2 h 49 min
